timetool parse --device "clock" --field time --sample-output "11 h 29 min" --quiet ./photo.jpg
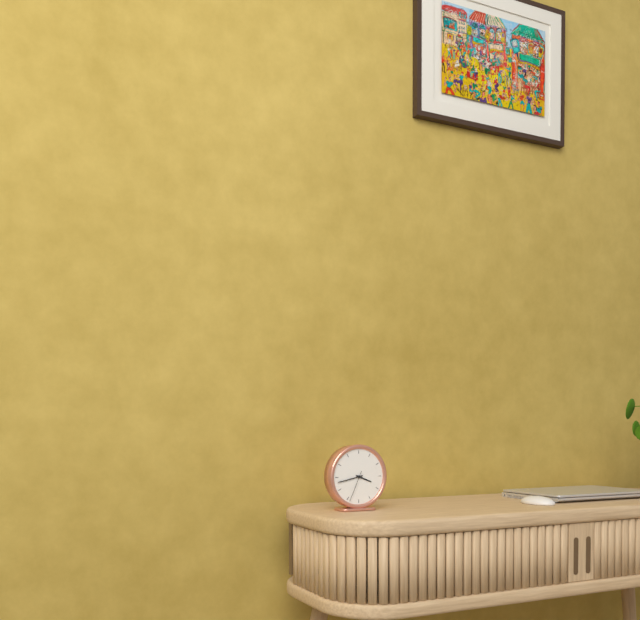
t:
3 h 43 min
